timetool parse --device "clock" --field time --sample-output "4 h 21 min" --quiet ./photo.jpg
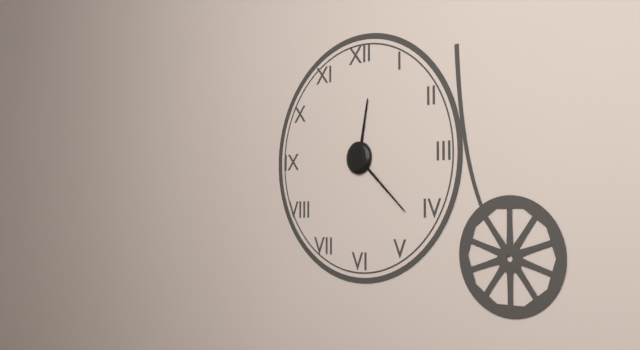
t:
12 h 22 min
